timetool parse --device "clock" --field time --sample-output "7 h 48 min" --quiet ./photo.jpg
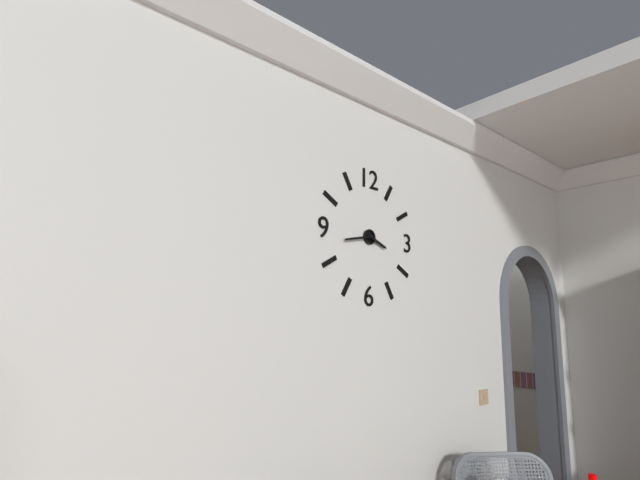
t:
3 h 43 min
